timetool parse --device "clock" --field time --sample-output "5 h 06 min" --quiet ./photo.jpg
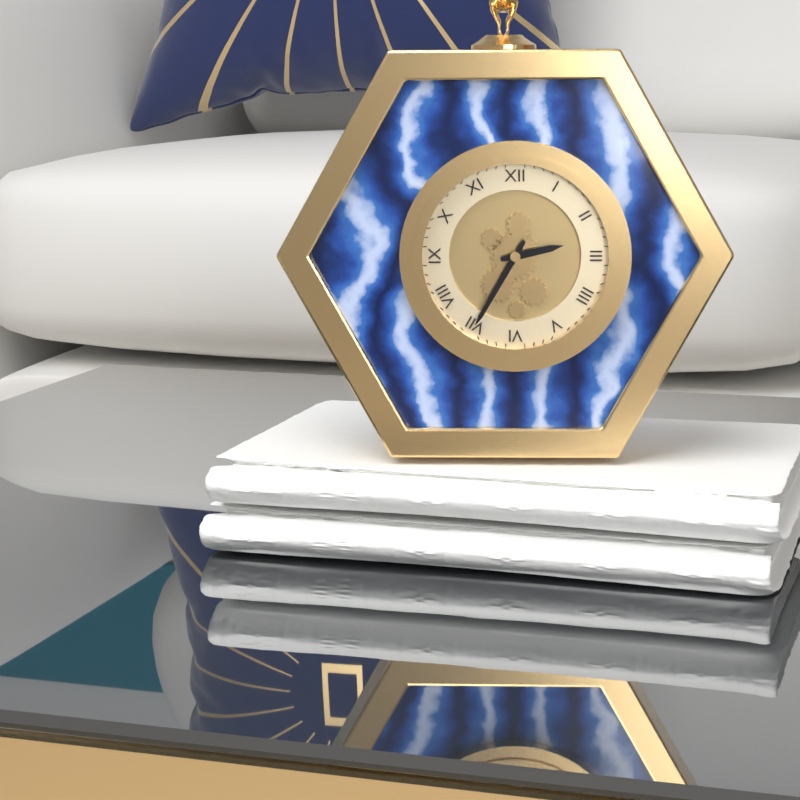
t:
2 h 35 min
